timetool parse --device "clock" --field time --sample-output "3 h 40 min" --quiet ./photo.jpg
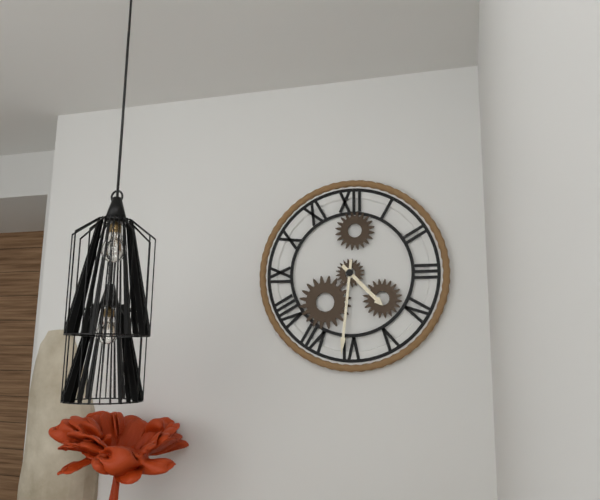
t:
4 h 31 min
